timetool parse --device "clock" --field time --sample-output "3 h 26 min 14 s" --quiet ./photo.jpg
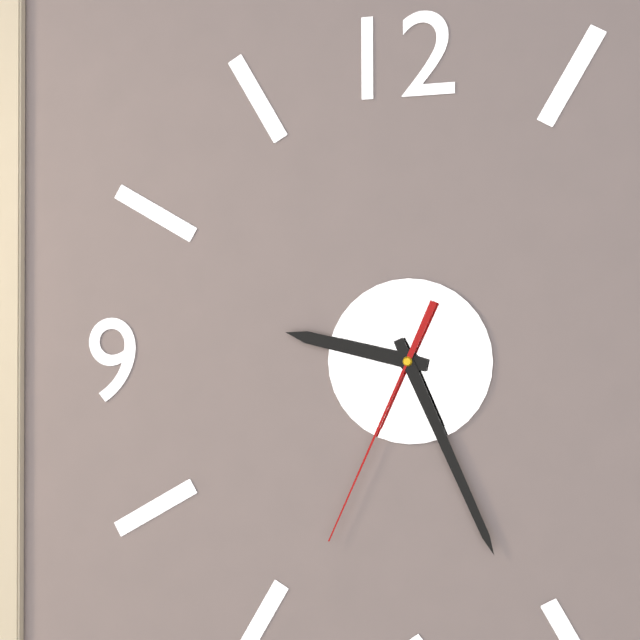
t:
9 h 26 min 34 s
